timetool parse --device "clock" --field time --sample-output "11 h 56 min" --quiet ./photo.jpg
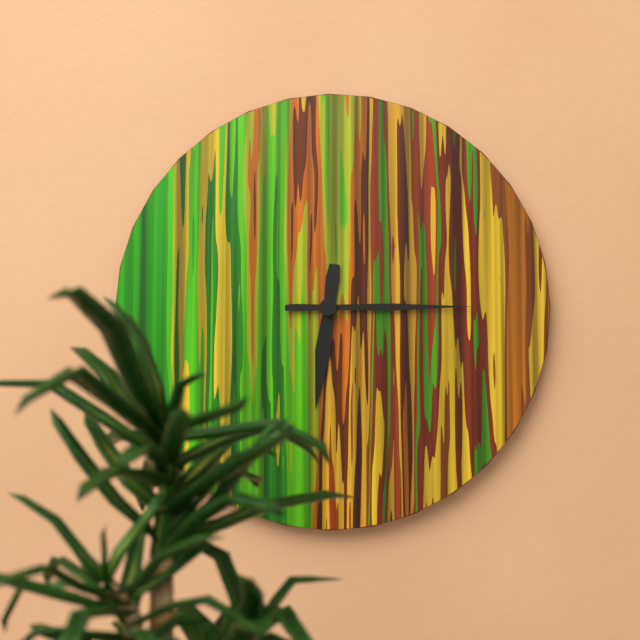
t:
6 h 15 min
